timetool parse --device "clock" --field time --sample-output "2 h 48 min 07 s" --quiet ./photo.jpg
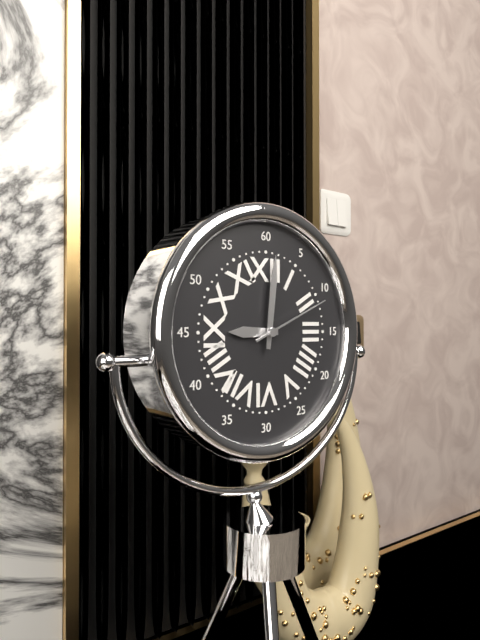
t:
9 h 01 min 11 s
